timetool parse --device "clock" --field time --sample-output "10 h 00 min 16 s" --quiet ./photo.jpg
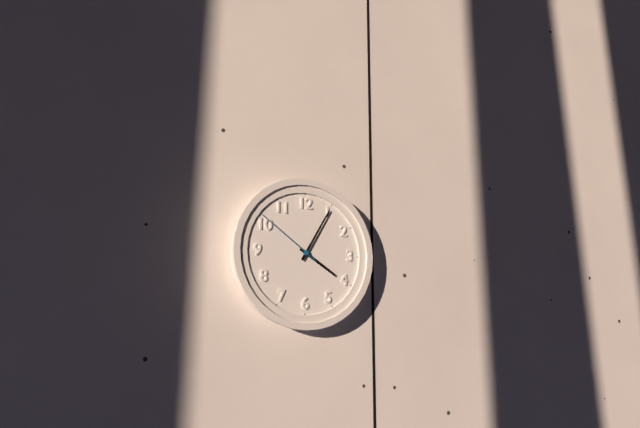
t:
4 h 05 min 51 s
